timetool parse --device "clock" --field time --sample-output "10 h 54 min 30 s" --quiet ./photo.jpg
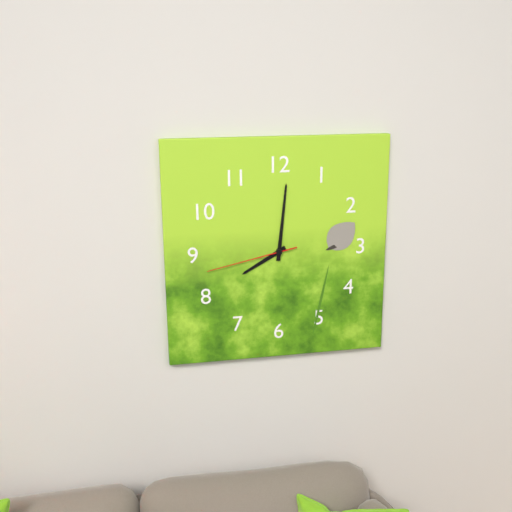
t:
8 h 01 min 43 s
